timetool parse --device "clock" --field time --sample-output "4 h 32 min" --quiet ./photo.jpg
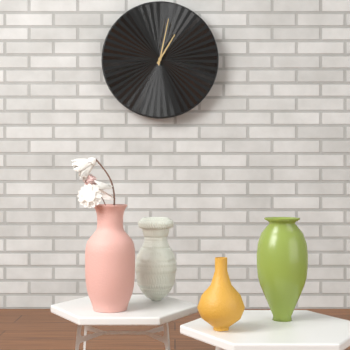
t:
1 h 02 min
